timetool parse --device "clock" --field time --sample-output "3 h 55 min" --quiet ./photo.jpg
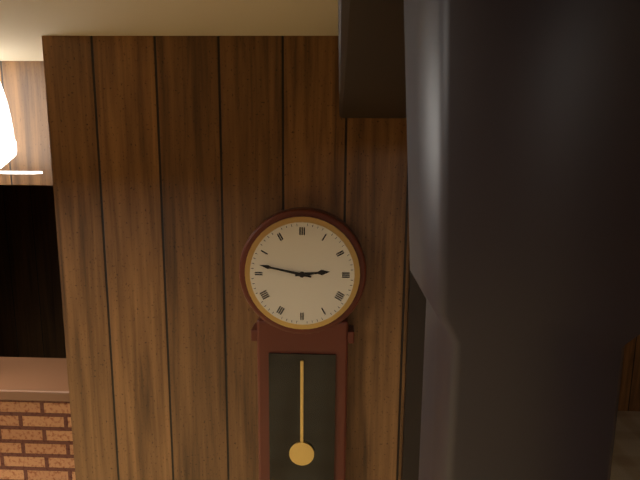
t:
2 h 47 min
